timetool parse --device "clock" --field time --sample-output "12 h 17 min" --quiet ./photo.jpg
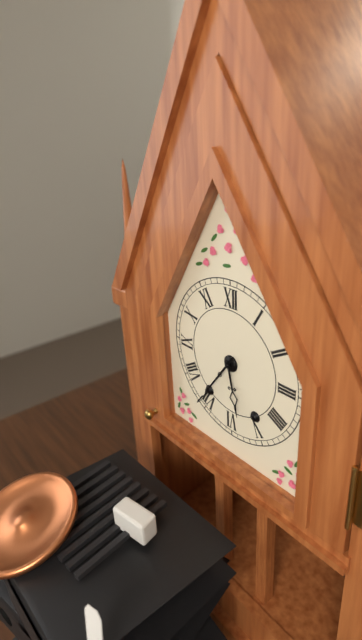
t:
5 h 36 min
